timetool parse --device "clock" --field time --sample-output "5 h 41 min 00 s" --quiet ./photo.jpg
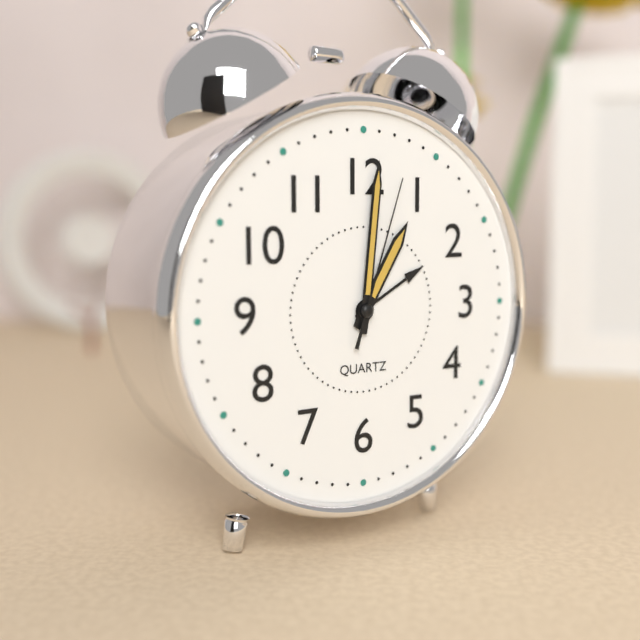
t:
1 h 01 min 03 s
